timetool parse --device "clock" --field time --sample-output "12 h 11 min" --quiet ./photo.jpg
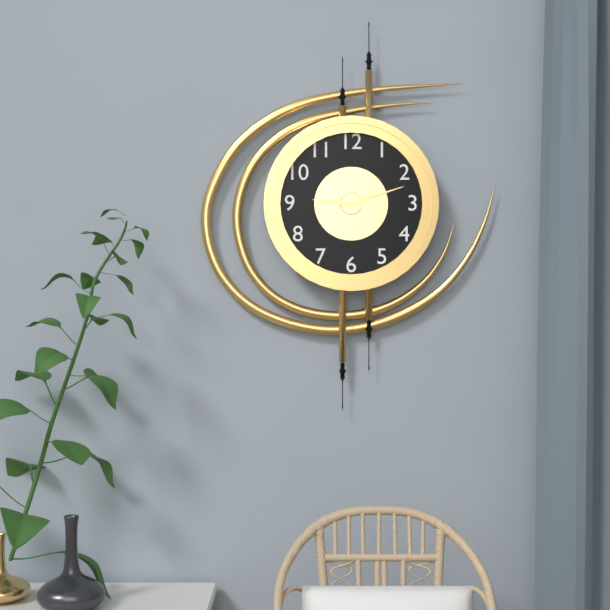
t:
9 h 12 min
